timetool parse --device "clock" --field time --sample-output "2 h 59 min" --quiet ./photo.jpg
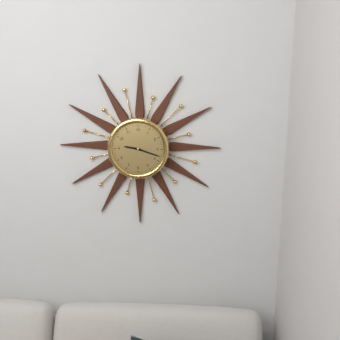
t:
9 h 18 min
